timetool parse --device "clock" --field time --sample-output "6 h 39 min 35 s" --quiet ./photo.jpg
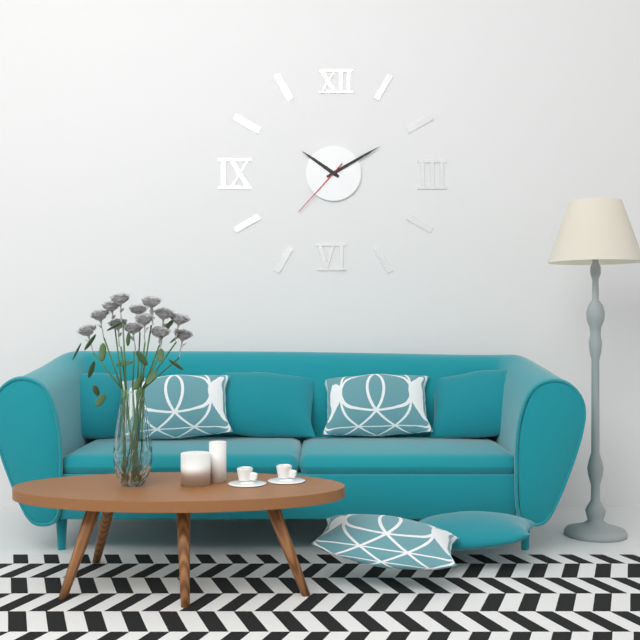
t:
10 h 10 min 37 s
